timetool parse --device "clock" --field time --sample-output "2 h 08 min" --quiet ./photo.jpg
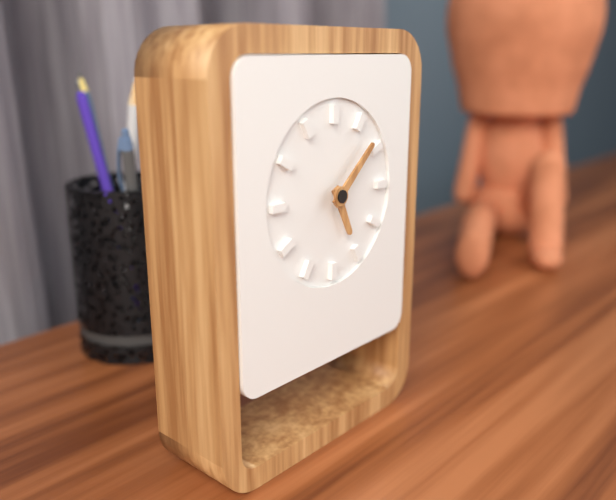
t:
5 h 08 min
